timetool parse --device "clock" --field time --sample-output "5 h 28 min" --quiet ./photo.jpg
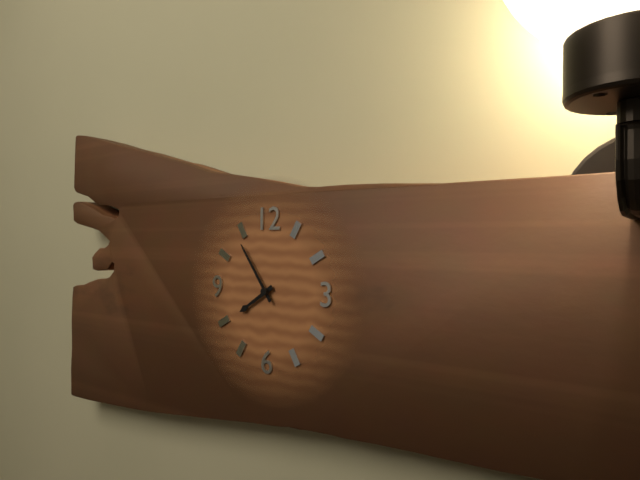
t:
7 h 54 min
